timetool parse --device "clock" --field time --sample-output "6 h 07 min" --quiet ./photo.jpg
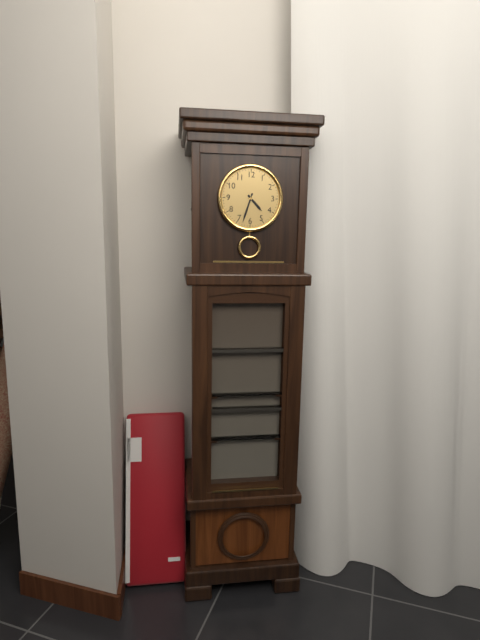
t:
4 h 33 min
